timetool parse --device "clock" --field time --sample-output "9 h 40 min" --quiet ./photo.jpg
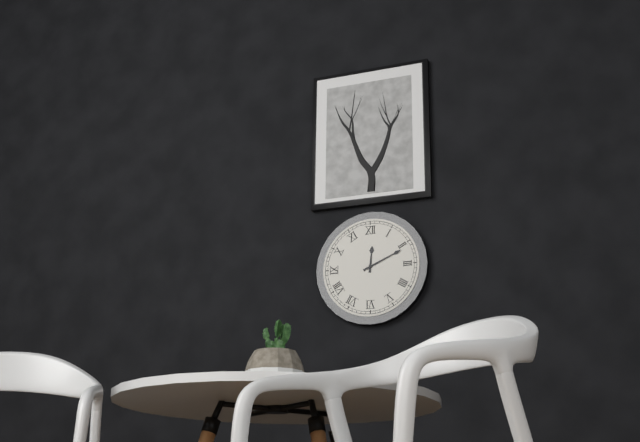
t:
12 h 11 min
